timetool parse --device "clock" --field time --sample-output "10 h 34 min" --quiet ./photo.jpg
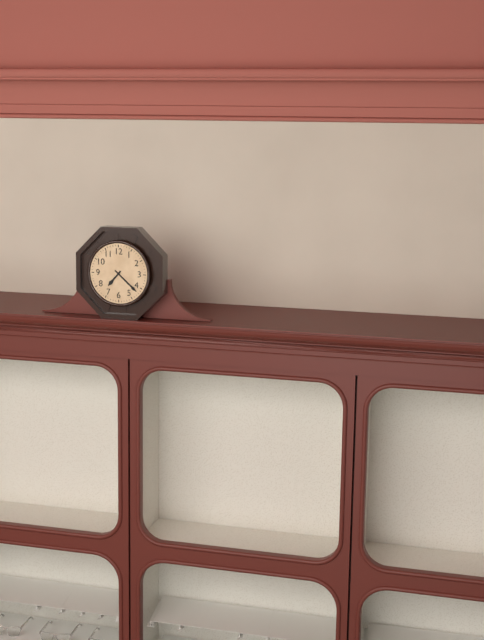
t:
7 h 22 min
